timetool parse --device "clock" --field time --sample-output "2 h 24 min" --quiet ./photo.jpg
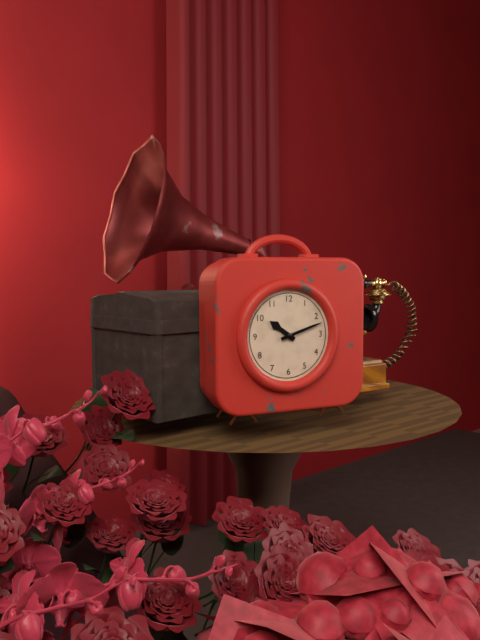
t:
10 h 12 min
